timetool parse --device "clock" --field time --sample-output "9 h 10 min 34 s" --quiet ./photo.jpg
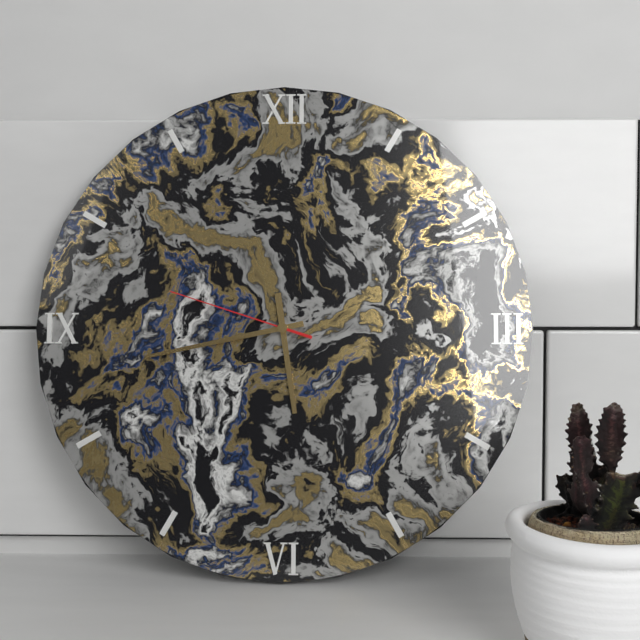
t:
5 h 43 min 48 s
